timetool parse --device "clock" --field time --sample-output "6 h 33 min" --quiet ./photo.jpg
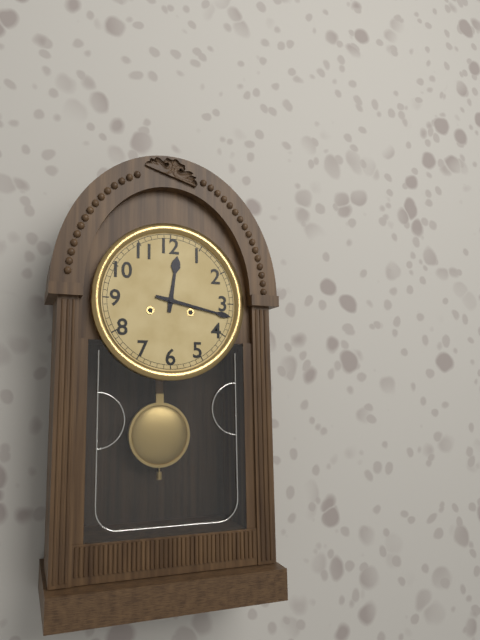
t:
12 h 17 min
